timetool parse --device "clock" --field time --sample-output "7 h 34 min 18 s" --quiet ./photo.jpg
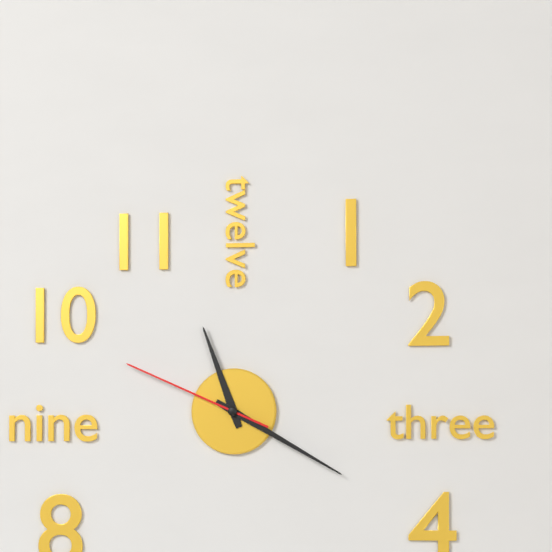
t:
11 h 20 min 49 s
